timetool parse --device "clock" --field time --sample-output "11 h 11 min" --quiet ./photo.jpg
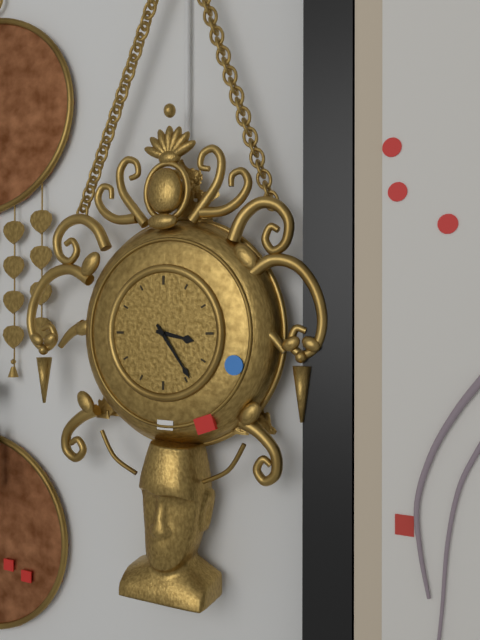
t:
3 h 24 min
